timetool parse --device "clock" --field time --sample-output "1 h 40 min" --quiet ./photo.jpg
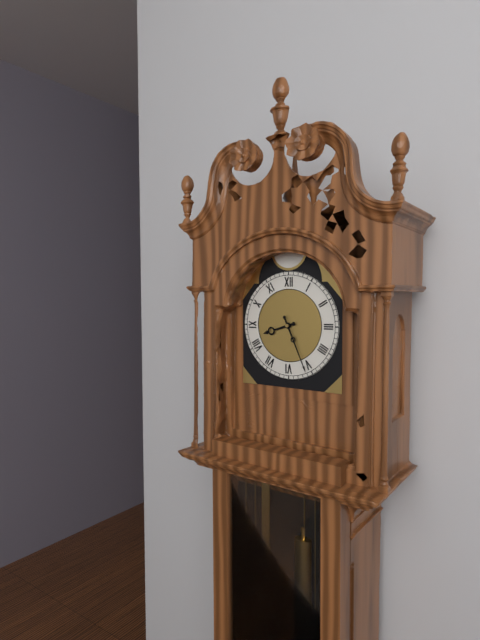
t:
8 h 26 min
